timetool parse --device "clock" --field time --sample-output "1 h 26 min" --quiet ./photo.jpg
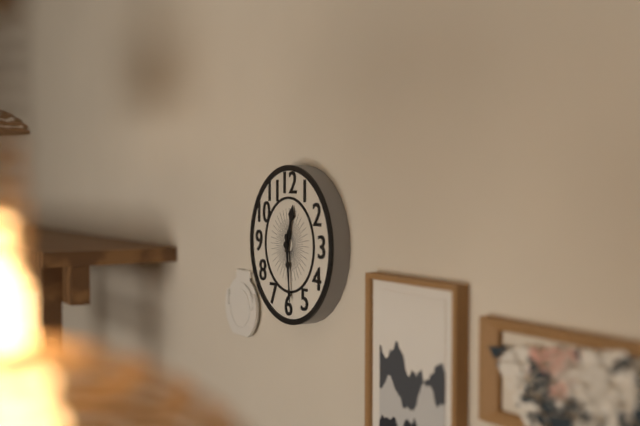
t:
12 h 29 min
